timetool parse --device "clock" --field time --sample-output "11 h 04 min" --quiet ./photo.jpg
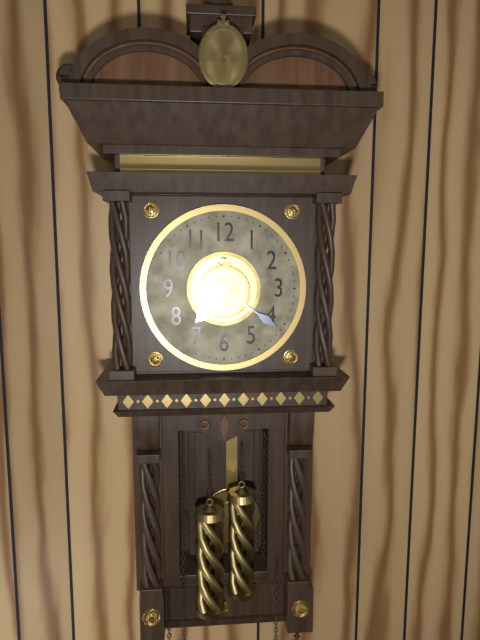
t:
7 h 21 min
